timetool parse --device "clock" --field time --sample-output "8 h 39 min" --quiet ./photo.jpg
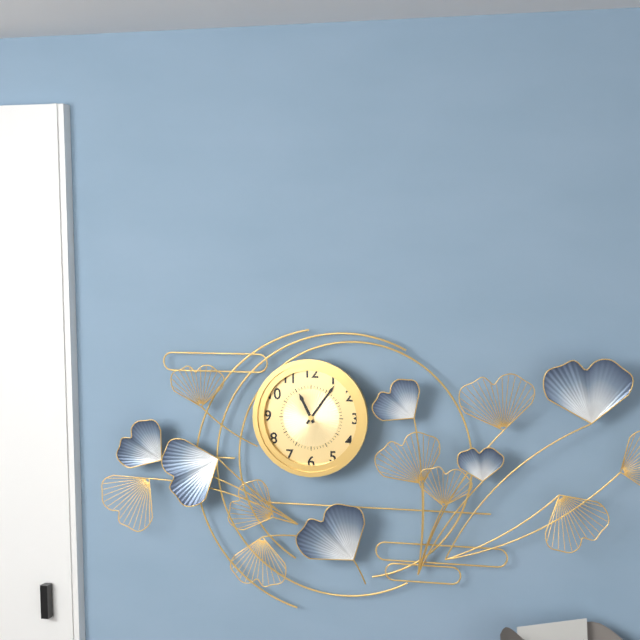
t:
11 h 06 min
